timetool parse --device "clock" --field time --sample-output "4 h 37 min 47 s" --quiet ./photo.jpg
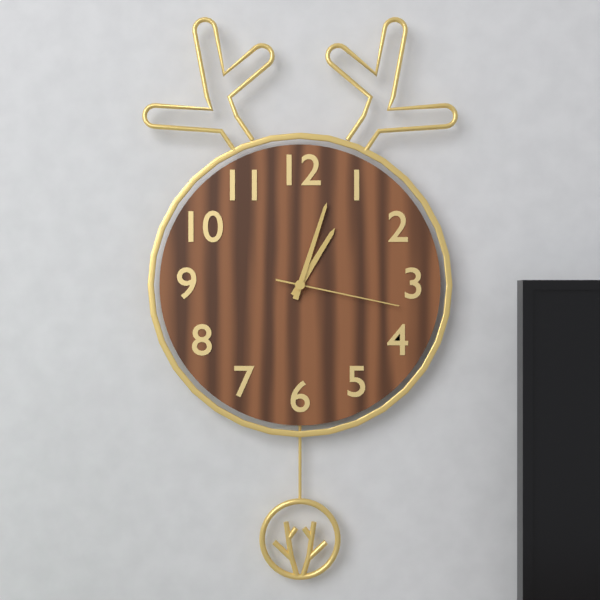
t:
1 h 03 min 17 s
